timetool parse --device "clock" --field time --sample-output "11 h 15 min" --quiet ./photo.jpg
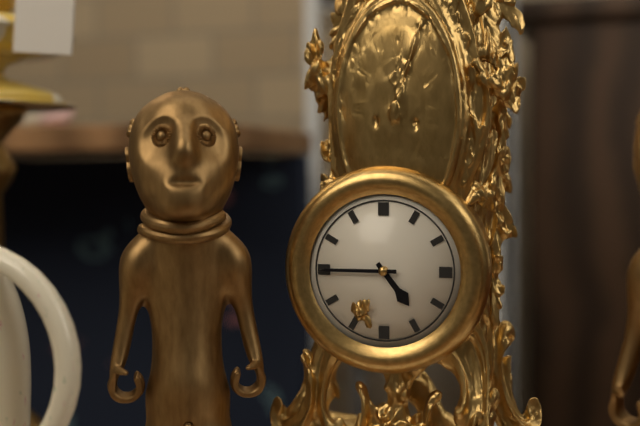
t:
4 h 45 min
